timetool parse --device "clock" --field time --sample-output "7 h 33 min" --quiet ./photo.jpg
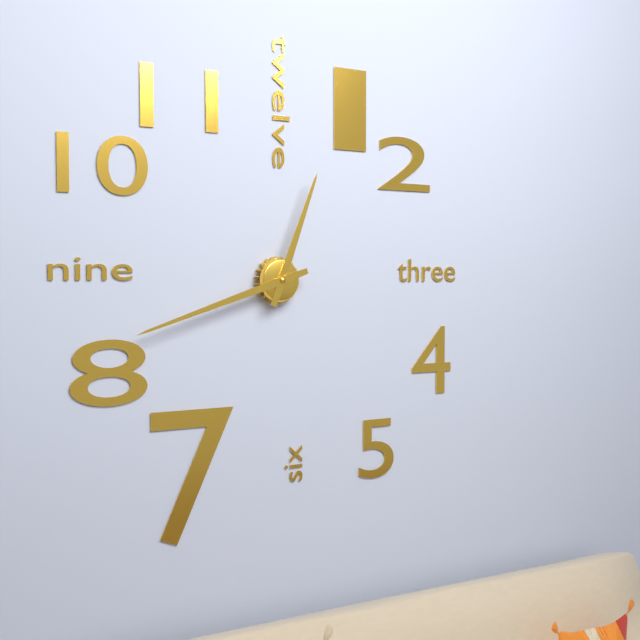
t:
12 h 42 min
